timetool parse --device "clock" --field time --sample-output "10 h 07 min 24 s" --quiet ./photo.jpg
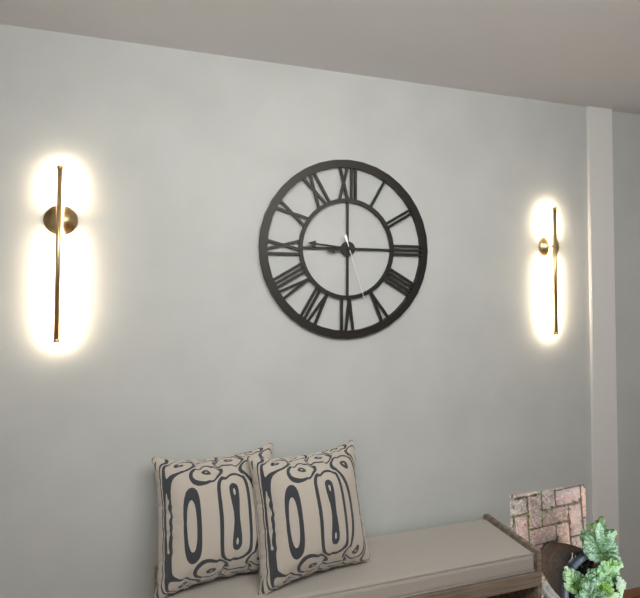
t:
8 h 46 min 27 s
